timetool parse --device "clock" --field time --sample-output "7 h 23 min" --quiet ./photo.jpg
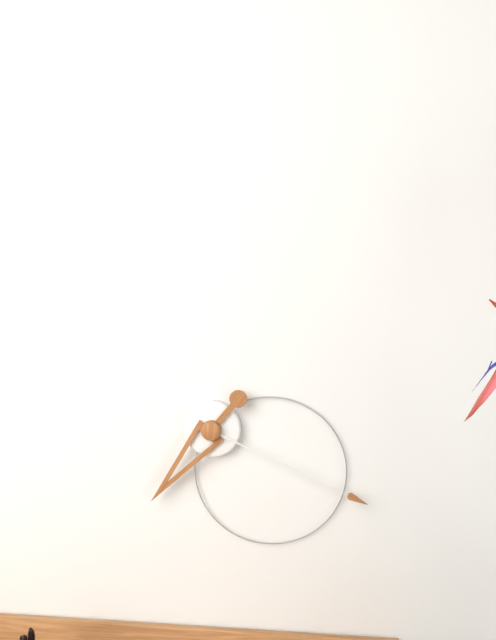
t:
7 h 19 min
